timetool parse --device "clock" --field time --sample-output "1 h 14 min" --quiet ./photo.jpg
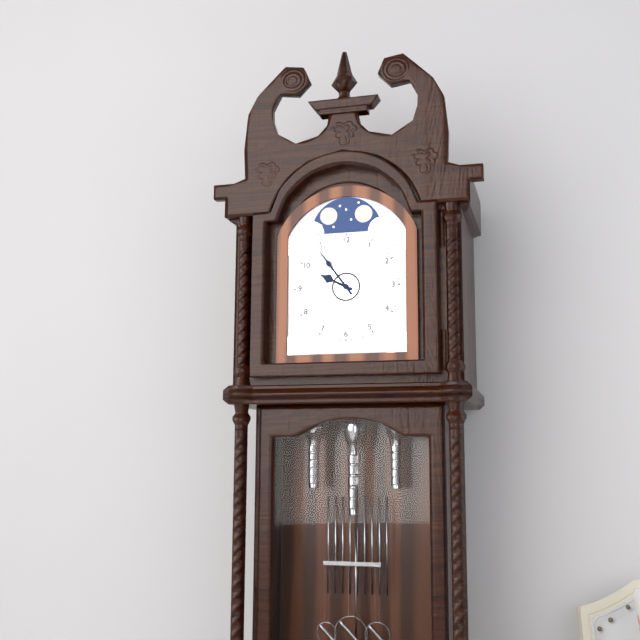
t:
9 h 54 min
